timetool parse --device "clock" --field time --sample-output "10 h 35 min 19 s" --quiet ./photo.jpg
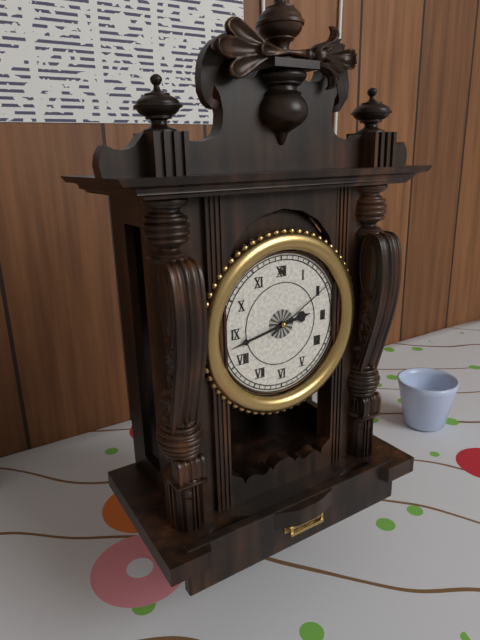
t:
2 h 43 min 10 s
